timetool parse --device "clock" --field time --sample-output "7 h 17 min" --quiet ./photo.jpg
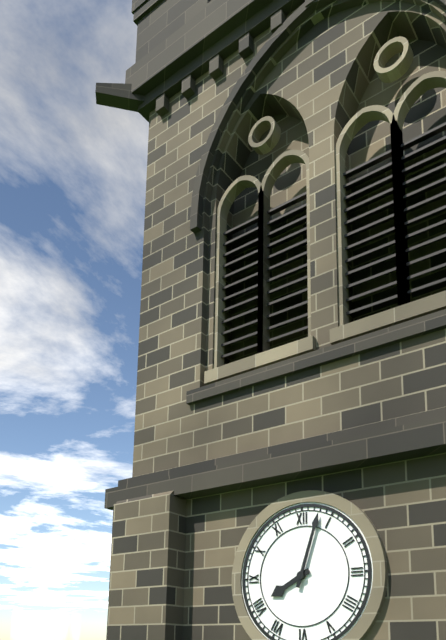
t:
8 h 03 min
